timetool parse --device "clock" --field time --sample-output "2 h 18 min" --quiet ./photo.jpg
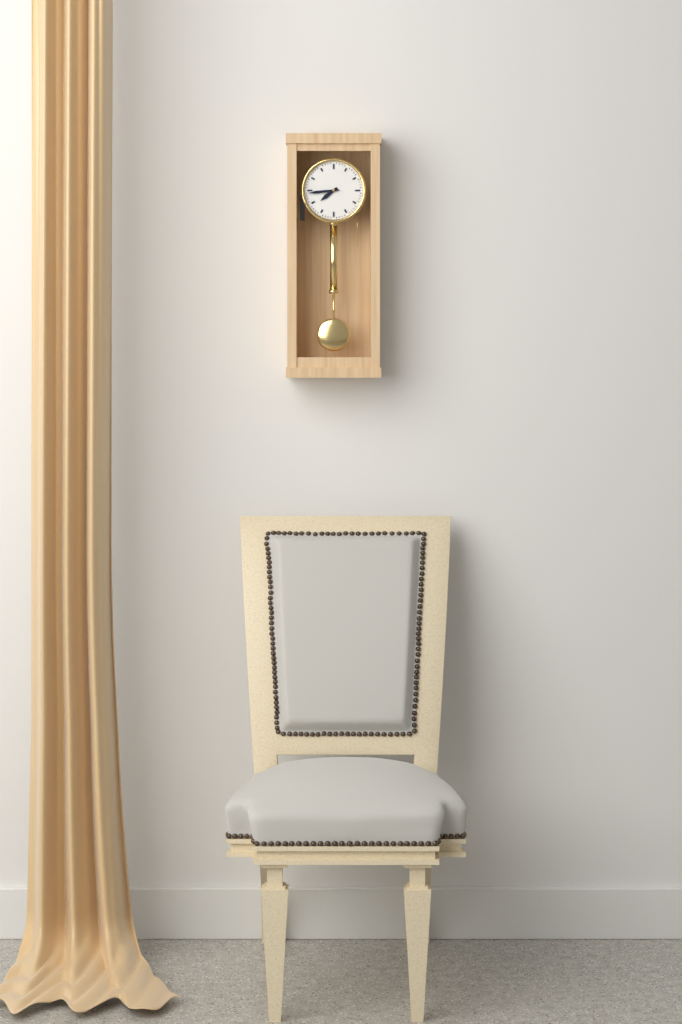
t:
7 h 44 min
